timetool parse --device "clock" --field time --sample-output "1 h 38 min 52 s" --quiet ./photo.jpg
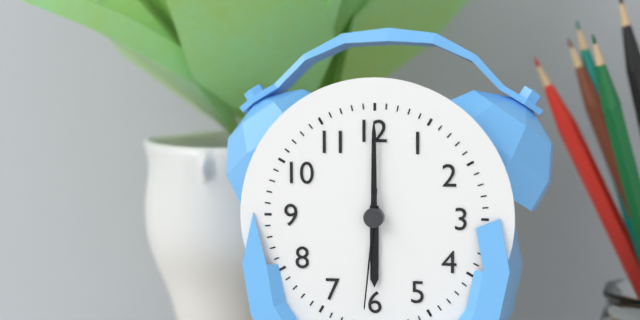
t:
6 h 00 min 31 s
